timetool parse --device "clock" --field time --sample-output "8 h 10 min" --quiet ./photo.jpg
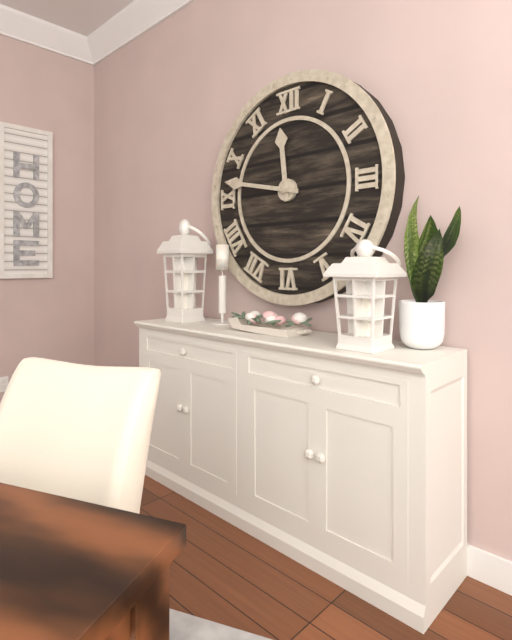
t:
11 h 47 min
